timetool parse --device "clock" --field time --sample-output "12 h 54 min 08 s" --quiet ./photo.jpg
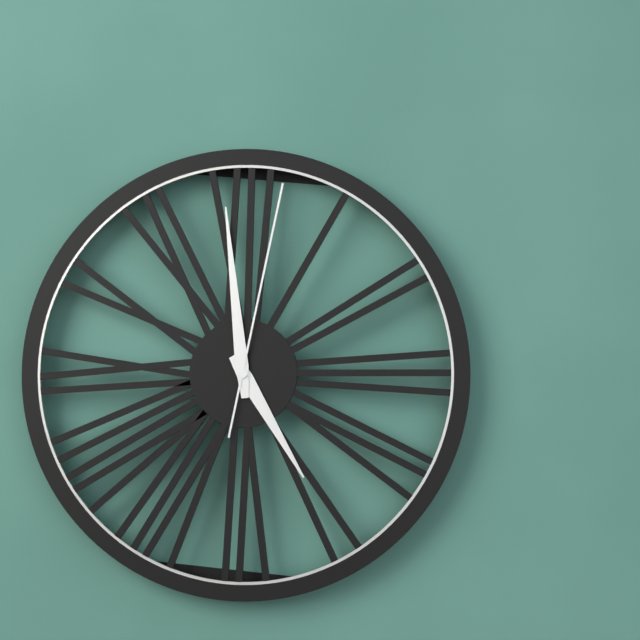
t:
4 h 59 min 02 s
